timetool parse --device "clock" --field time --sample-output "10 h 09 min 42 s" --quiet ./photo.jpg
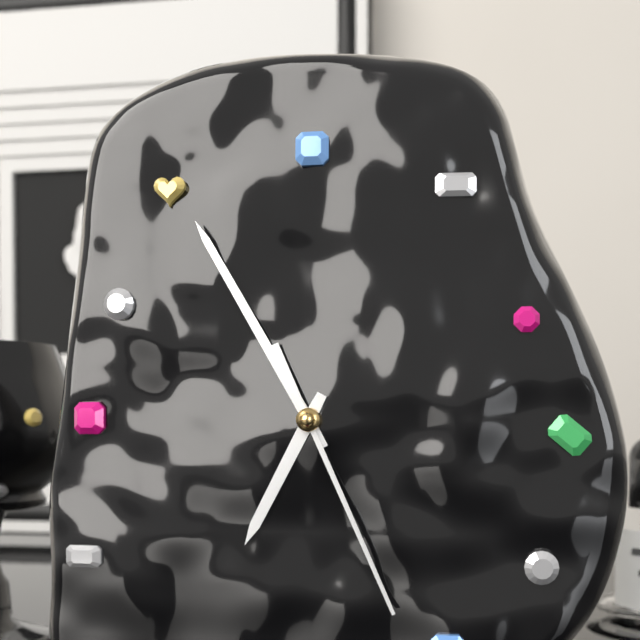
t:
6 h 55 min 26 s
